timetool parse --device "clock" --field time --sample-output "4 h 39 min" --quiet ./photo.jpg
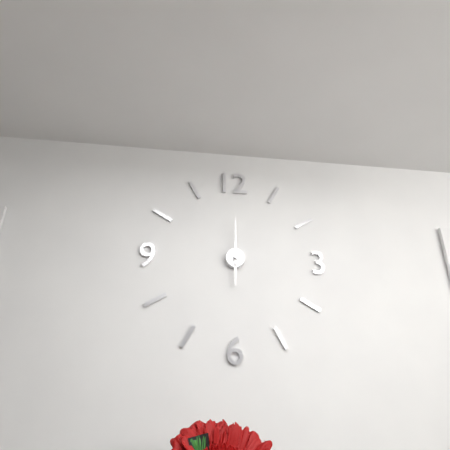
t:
6 h 00 min
